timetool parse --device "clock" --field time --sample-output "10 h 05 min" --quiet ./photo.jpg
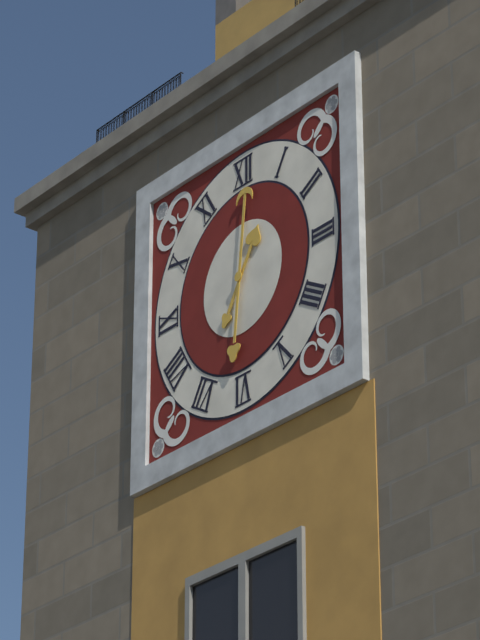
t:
1 h 01 min
